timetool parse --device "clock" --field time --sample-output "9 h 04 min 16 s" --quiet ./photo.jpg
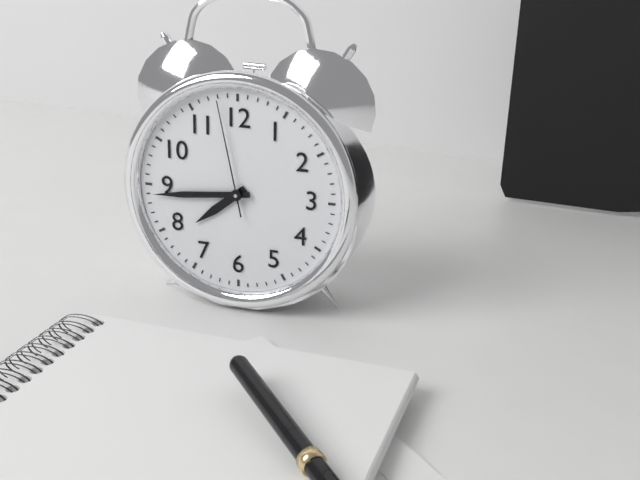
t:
7 h 44 min 58 s
